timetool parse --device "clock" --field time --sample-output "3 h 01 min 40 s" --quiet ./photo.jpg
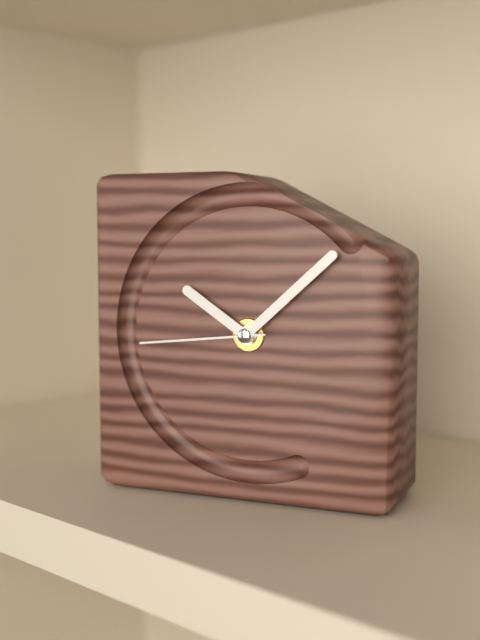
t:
10 h 08 min 44 s
